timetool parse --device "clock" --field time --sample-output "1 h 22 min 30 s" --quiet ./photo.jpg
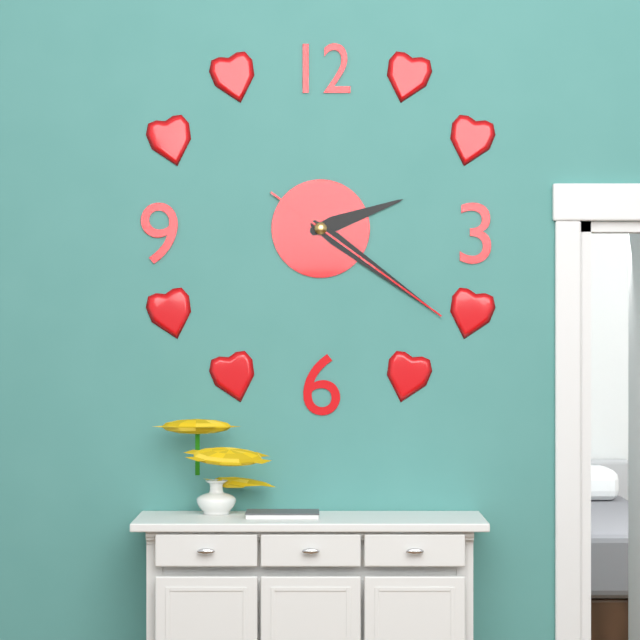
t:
2 h 21 min 21 s
